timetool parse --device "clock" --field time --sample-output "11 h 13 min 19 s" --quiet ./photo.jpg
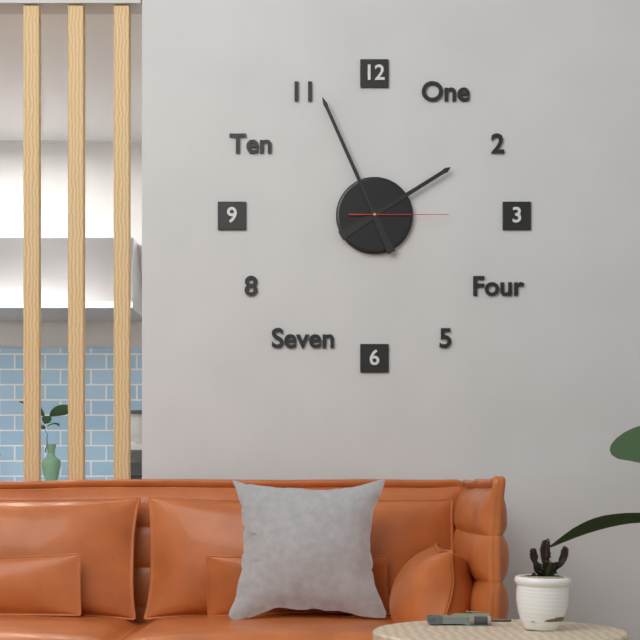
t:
1 h 56 min 15 s
